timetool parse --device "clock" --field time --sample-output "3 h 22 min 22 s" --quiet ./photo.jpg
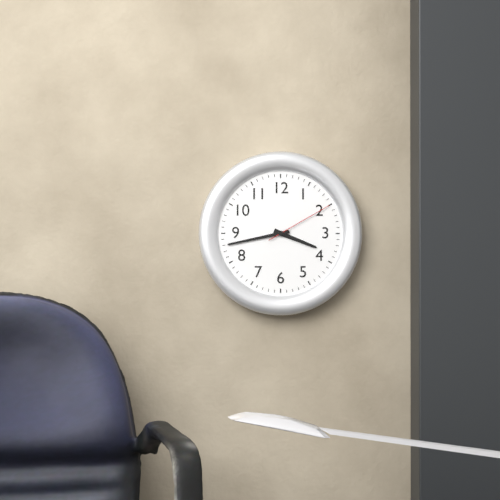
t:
3 h 43 min 10 s
